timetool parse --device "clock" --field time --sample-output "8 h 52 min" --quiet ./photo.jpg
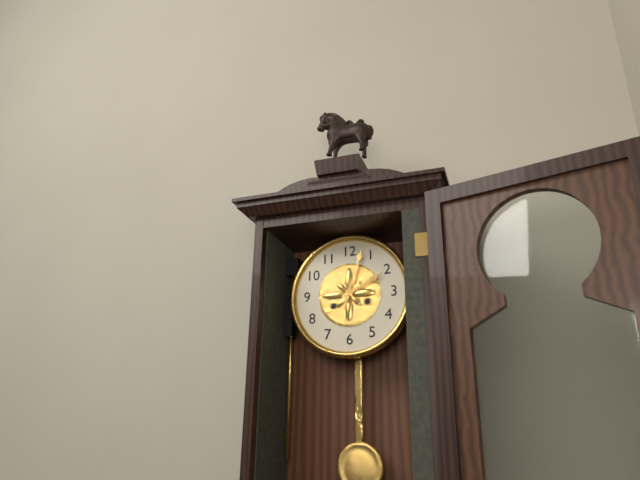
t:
2 h 03 min
